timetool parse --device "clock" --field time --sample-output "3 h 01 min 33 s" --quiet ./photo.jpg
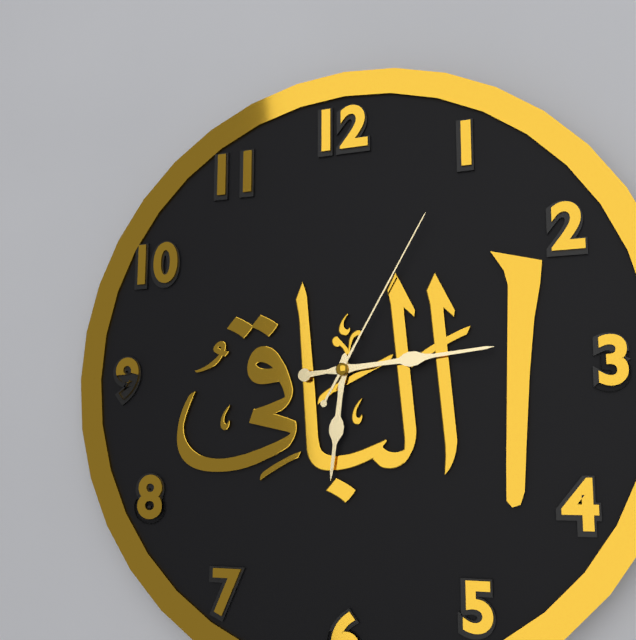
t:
6 h 14 min 05 s
